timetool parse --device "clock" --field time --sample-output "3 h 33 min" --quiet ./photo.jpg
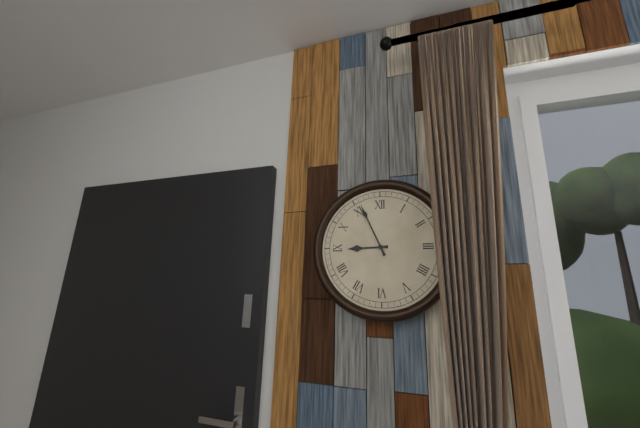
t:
8 h 56 min
